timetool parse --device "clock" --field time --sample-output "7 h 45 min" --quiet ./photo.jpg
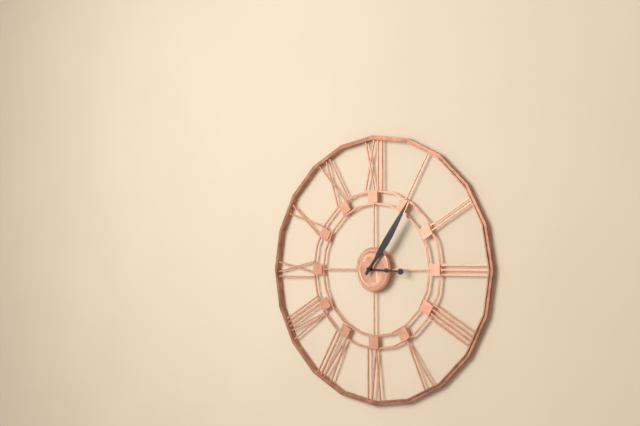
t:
3 h 06 min
